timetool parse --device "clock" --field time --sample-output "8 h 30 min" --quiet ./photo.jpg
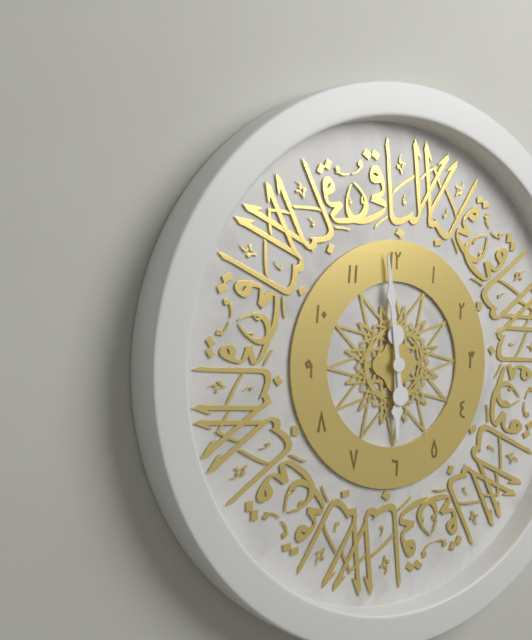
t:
5 h 59 min
